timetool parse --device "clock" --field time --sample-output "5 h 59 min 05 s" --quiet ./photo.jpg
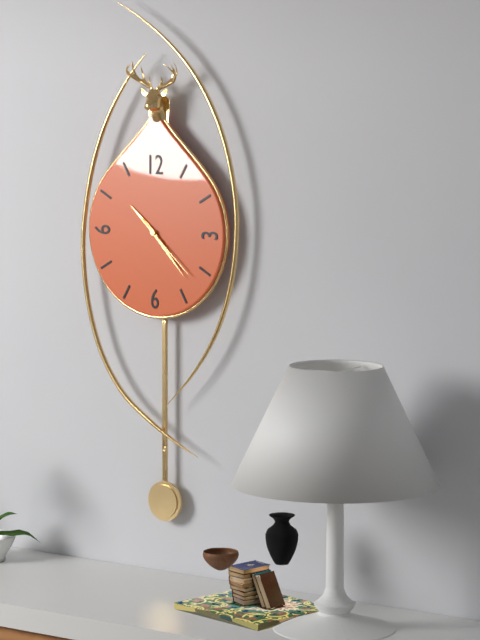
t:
10 h 23 min 22 s
